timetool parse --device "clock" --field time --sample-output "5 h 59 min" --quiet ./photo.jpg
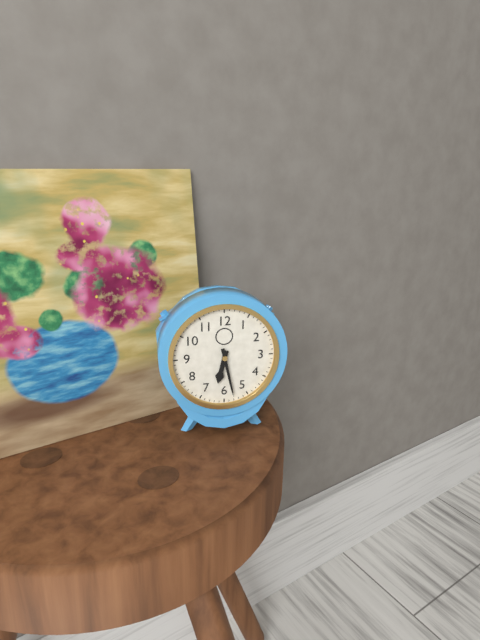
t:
6 h 28 min
